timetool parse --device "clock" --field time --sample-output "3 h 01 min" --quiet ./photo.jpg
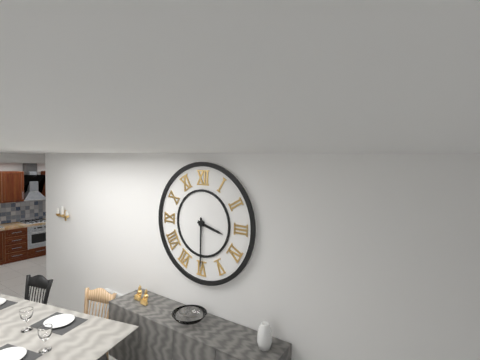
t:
3 h 30 min
